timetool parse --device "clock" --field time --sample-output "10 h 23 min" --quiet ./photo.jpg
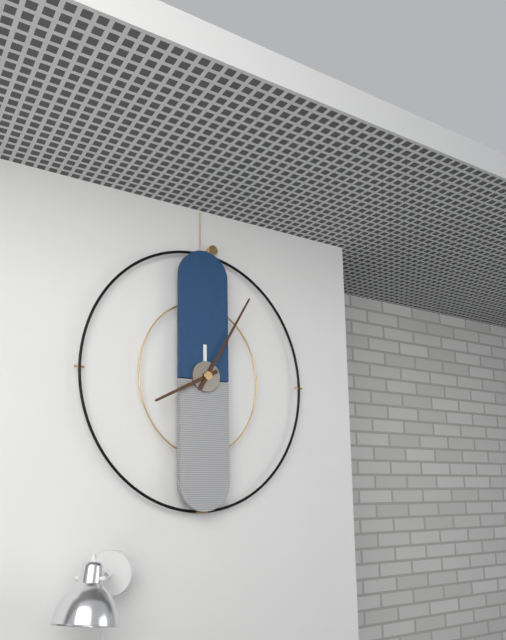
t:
8 h 05 min
